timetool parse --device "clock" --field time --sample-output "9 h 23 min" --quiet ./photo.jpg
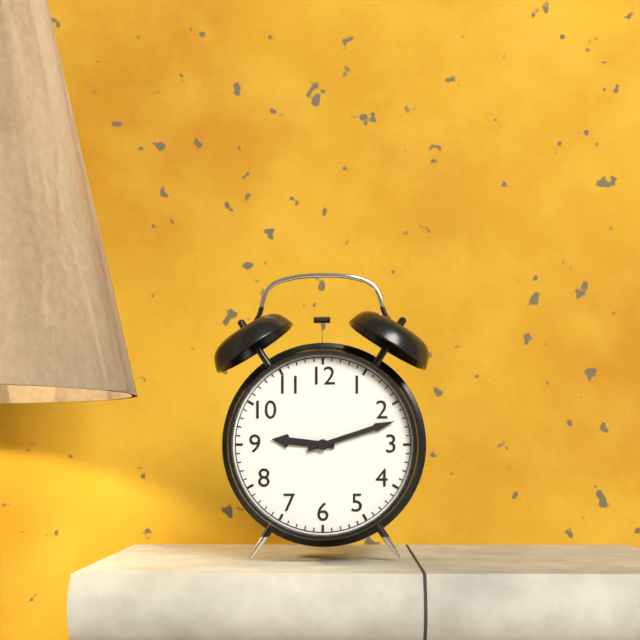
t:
9 h 12 min
